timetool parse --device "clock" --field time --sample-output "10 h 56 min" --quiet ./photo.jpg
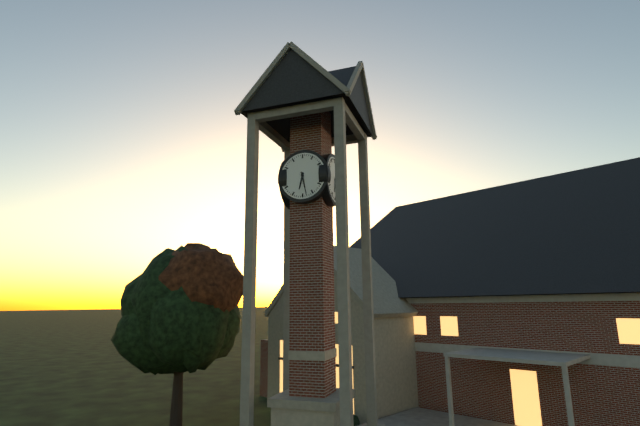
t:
6 h 28 min
